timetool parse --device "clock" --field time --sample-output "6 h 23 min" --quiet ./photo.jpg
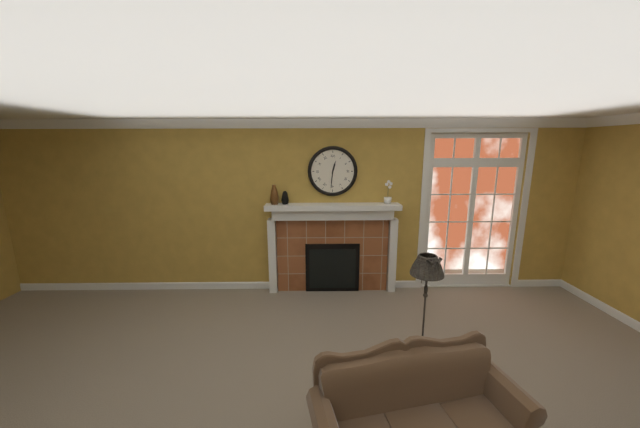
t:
12 h 31 min
